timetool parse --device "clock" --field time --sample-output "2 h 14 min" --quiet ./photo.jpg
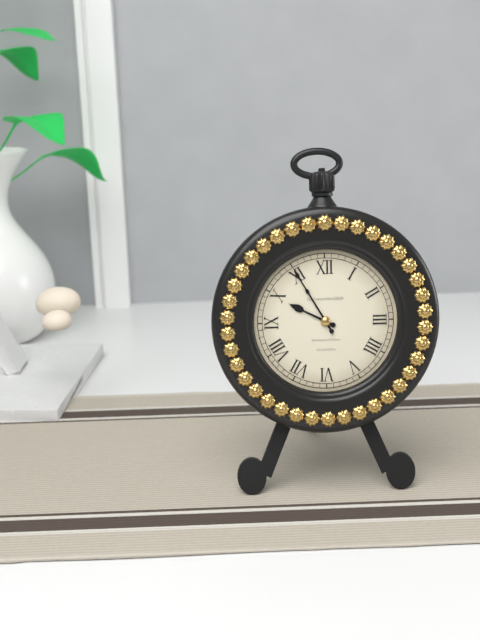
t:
9 h 55 min
